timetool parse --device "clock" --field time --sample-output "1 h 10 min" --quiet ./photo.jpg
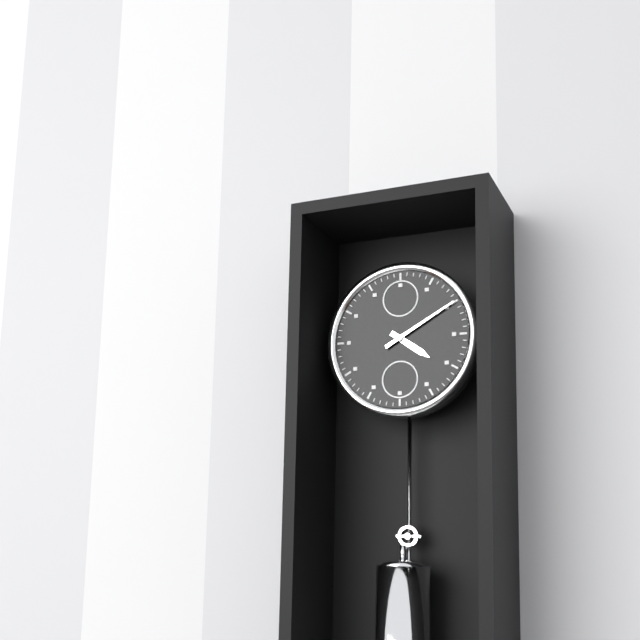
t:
4 h 10 min
